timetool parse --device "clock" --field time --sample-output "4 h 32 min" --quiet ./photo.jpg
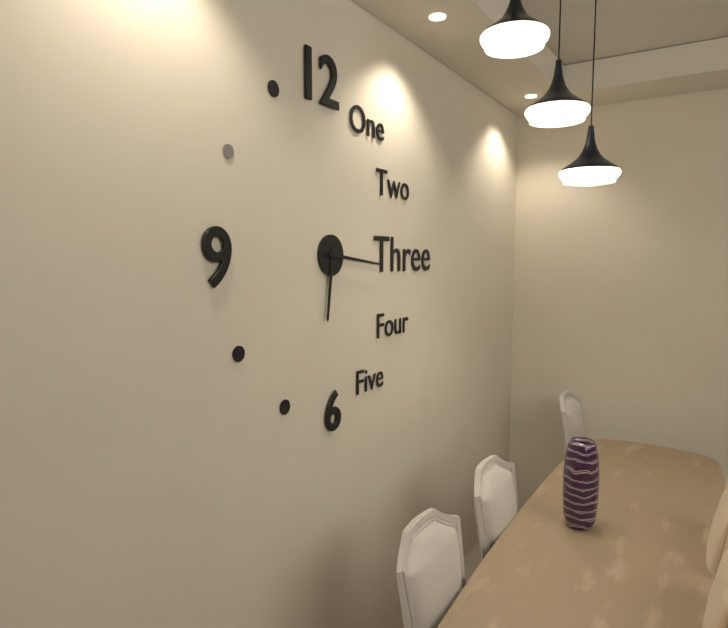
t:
6 h 16 min
